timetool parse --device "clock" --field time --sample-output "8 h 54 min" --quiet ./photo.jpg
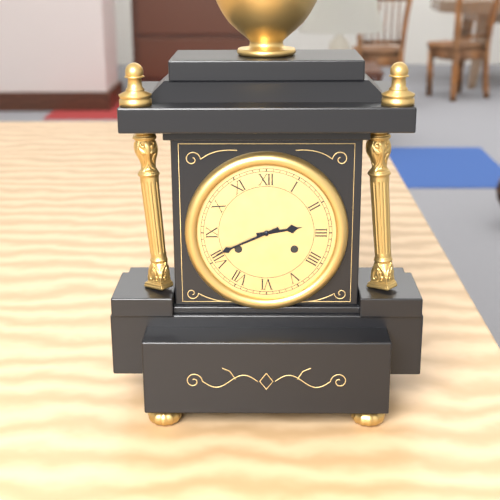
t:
2 h 41 min
